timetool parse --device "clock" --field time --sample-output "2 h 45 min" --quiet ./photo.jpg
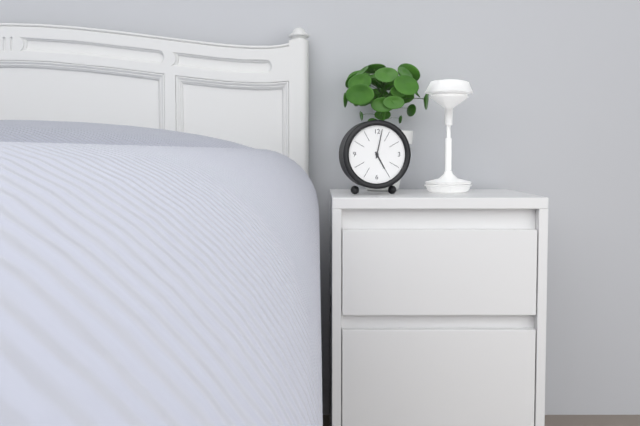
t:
5 h 02 min
